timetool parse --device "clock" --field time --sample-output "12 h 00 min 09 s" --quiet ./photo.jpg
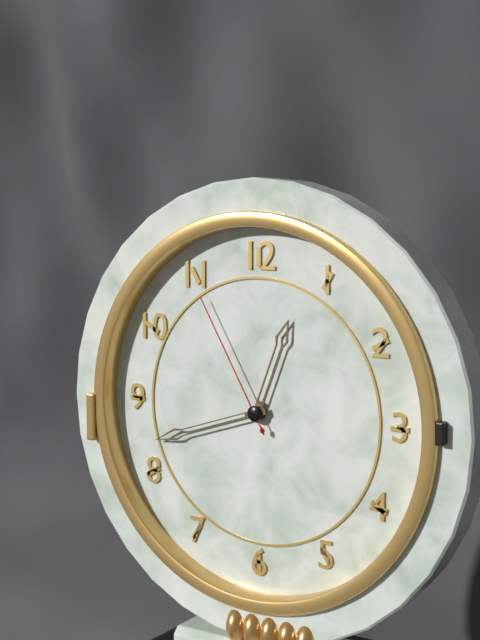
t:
12 h 42 min 55 s
